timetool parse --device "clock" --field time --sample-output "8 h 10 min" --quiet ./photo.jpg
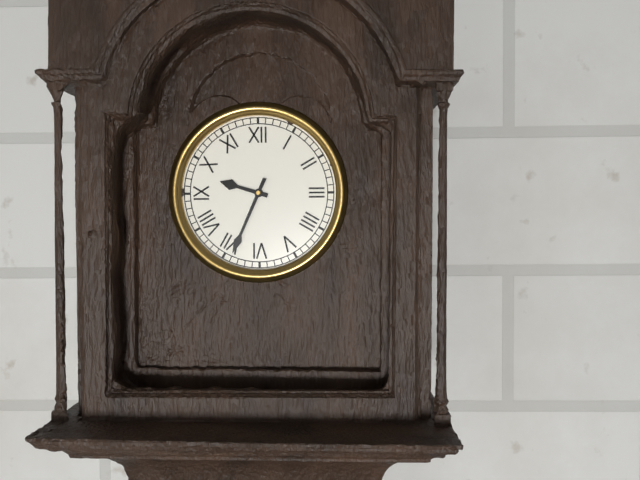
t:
9 h 34 min
